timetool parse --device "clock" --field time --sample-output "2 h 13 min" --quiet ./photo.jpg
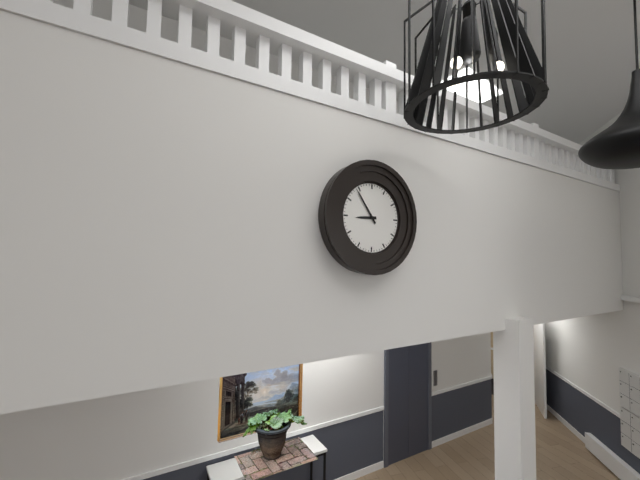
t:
8 h 54 min
